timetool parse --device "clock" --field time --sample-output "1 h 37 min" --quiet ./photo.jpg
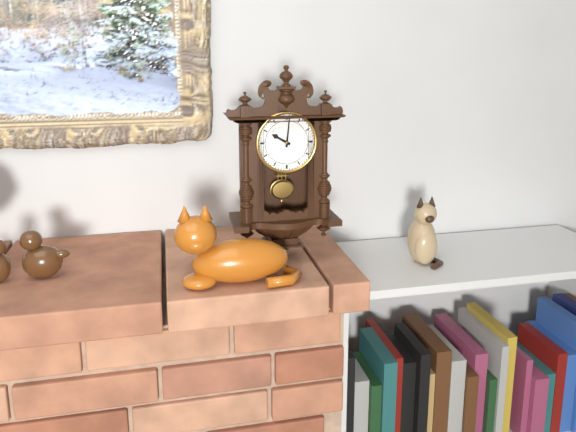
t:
10 h 01 min
